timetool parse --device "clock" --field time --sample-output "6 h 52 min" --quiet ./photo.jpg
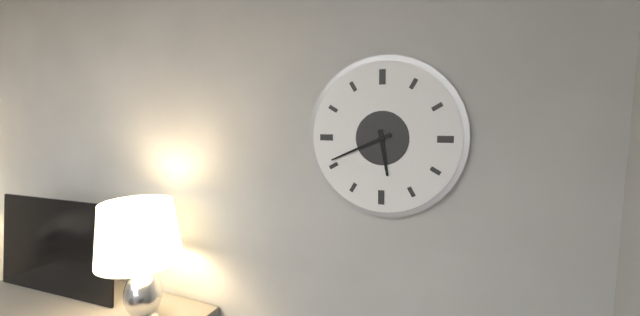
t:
5 h 41 min
